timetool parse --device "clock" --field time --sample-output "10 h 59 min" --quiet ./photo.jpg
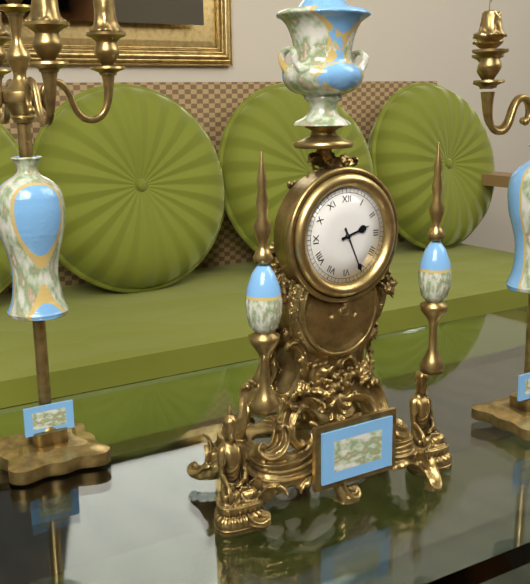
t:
2 h 26 min
